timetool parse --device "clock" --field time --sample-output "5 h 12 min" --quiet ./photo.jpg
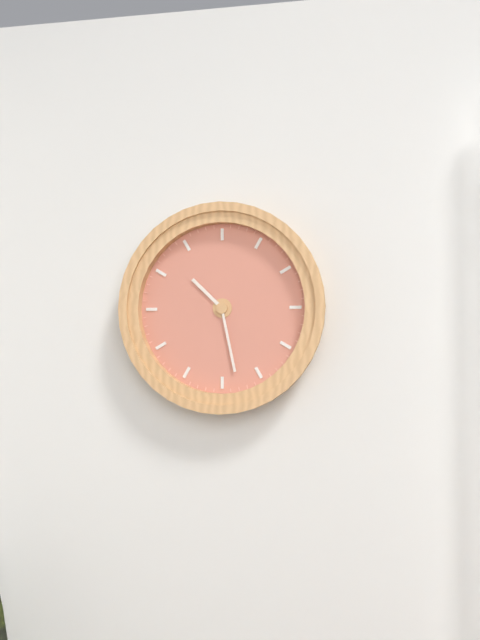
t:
10 h 28 min
